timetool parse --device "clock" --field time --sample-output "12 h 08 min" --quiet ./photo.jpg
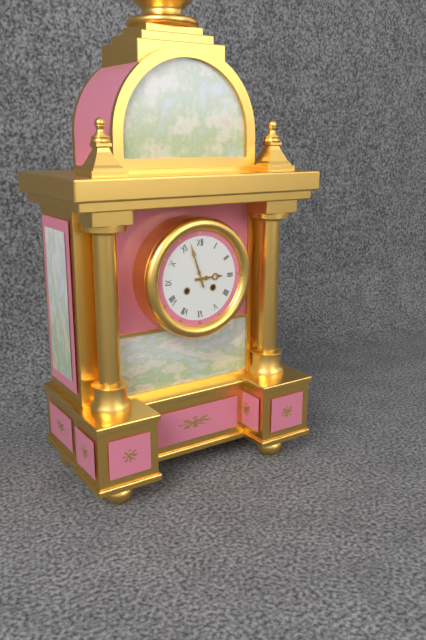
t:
2 h 57 min
